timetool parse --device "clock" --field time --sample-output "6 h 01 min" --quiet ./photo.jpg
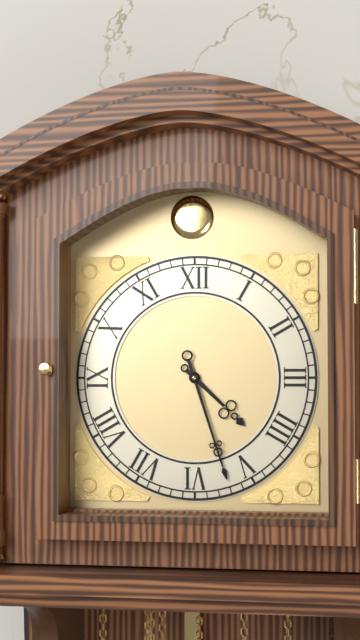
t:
4 h 27 min
